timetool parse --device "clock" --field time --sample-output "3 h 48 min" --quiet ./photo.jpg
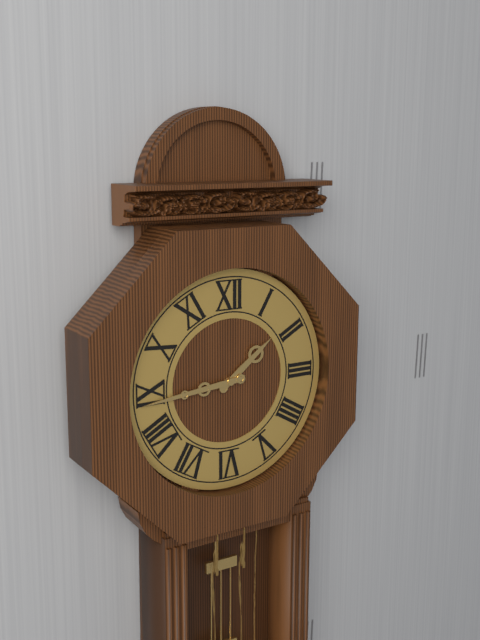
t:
1 h 44 min
